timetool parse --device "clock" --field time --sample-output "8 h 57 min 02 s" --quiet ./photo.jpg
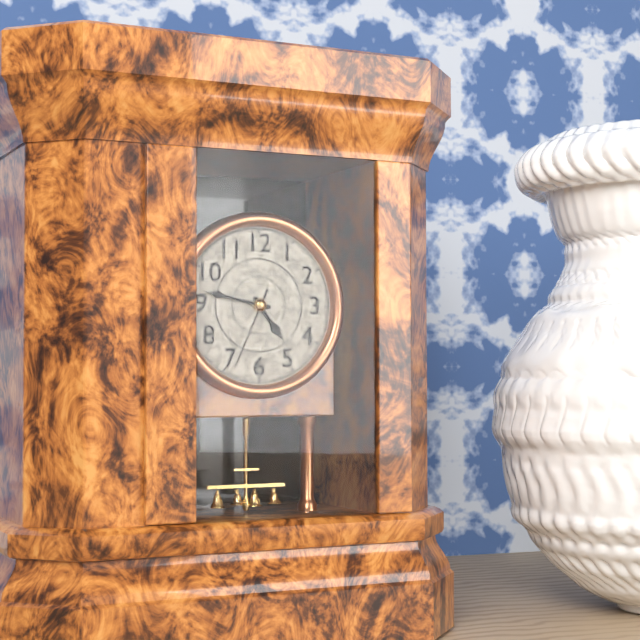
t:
4 h 47 min 34 s
